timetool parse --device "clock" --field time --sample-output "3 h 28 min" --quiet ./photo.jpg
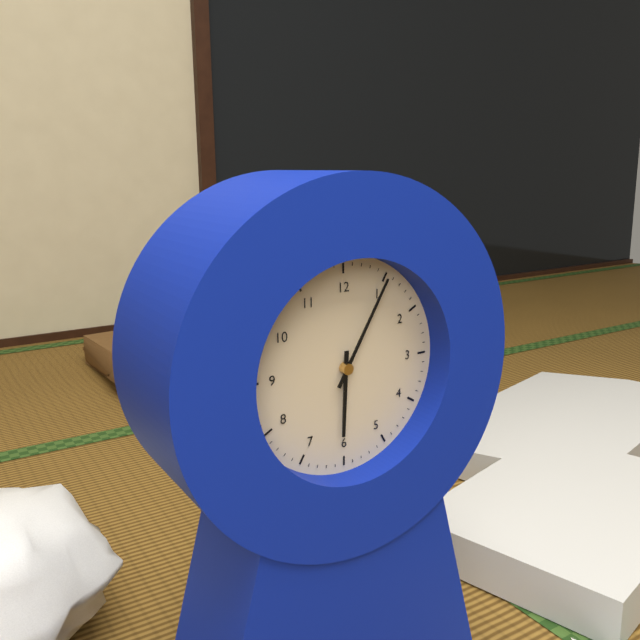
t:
6 h 05 min
